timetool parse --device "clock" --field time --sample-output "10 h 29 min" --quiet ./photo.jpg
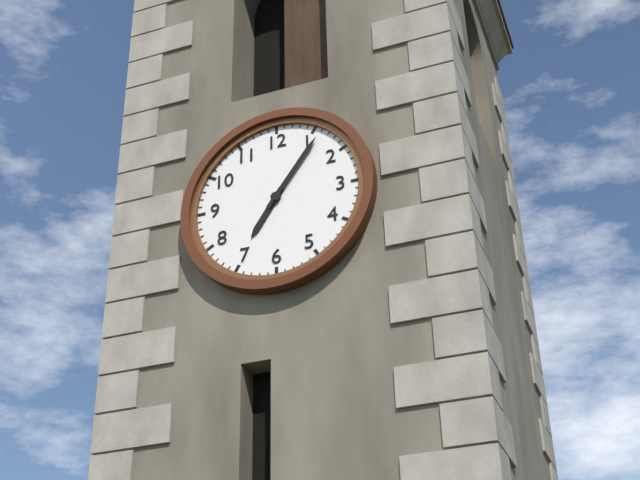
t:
7 h 06 min
